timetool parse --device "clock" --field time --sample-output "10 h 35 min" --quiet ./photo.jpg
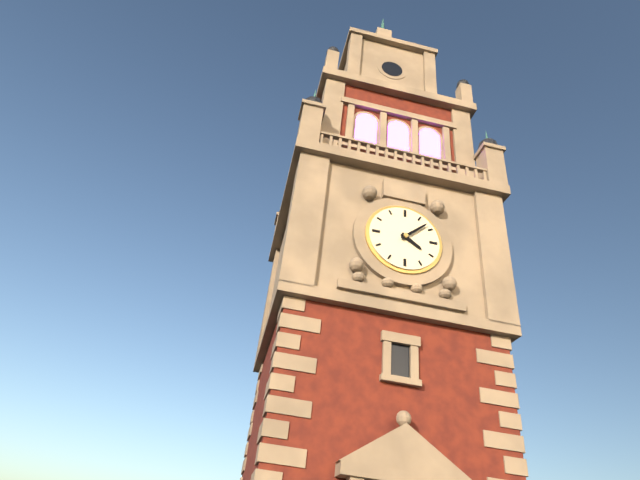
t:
4 h 08 min
